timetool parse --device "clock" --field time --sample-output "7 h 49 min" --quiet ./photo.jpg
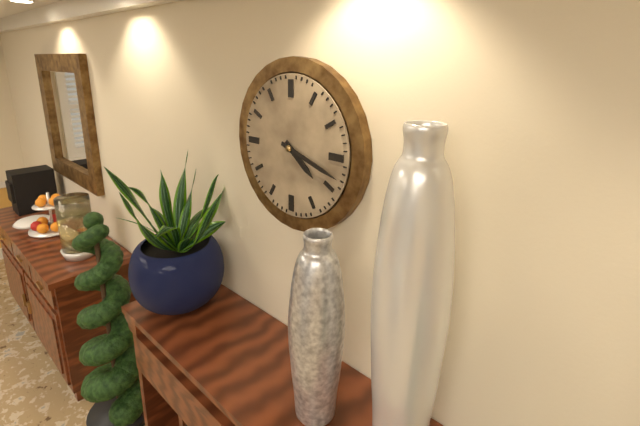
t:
4 h 18 min
